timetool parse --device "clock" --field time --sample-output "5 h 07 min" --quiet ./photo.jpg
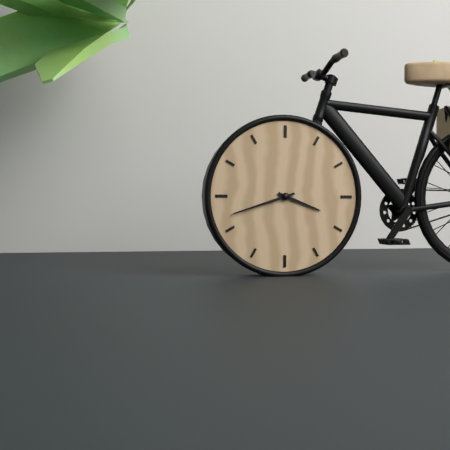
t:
3 h 42 min
